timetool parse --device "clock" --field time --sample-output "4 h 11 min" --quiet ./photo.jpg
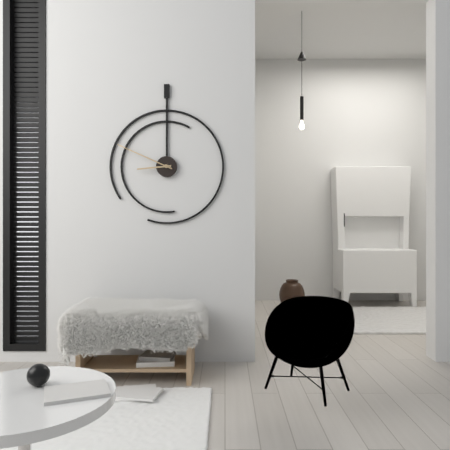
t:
8 h 49 min
